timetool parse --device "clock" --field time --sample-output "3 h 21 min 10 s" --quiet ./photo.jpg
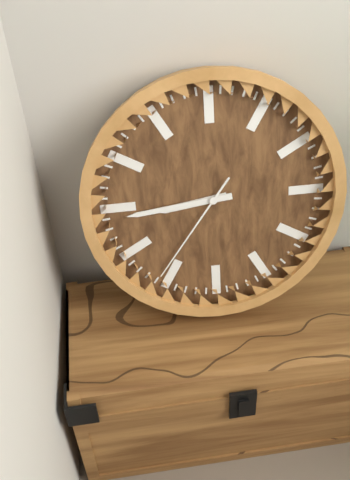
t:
8 h 44 min 36 s
